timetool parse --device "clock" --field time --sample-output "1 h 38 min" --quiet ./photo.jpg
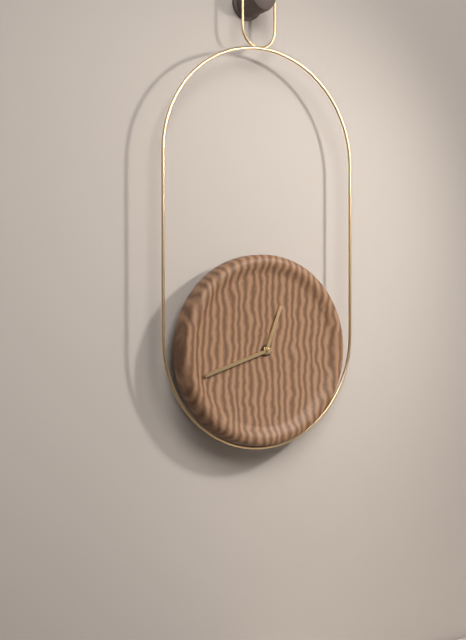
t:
12 h 42 min
